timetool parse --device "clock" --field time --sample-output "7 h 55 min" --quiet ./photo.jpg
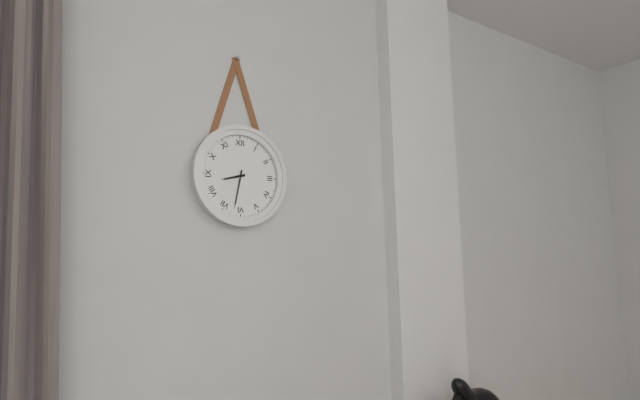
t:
8 h 32 min
